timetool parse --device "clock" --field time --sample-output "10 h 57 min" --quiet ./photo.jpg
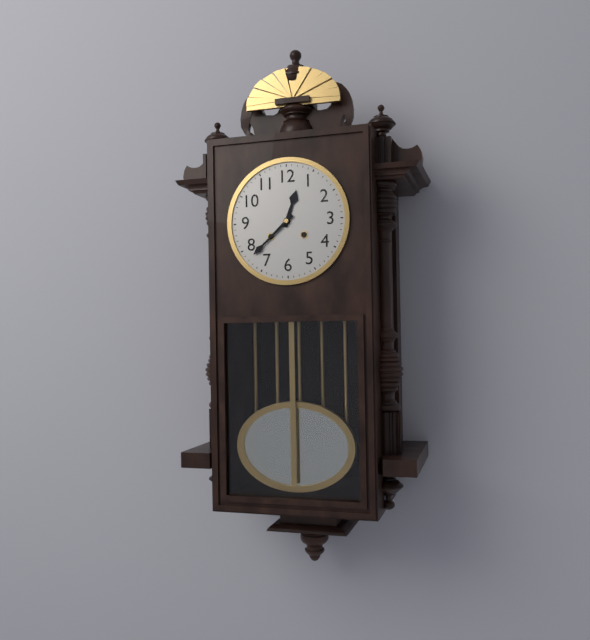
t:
12 h 38 min
